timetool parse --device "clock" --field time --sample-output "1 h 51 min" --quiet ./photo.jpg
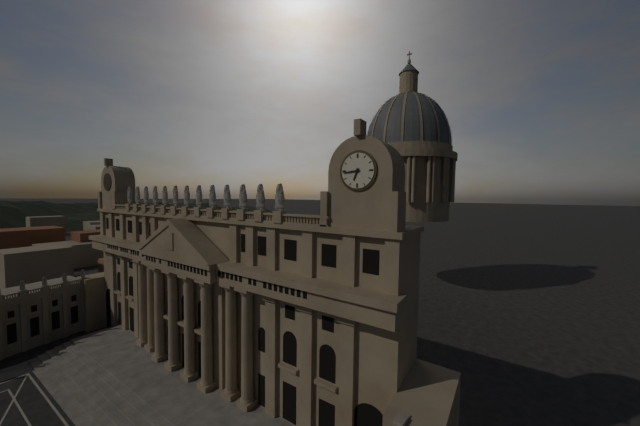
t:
6 h 44 min
